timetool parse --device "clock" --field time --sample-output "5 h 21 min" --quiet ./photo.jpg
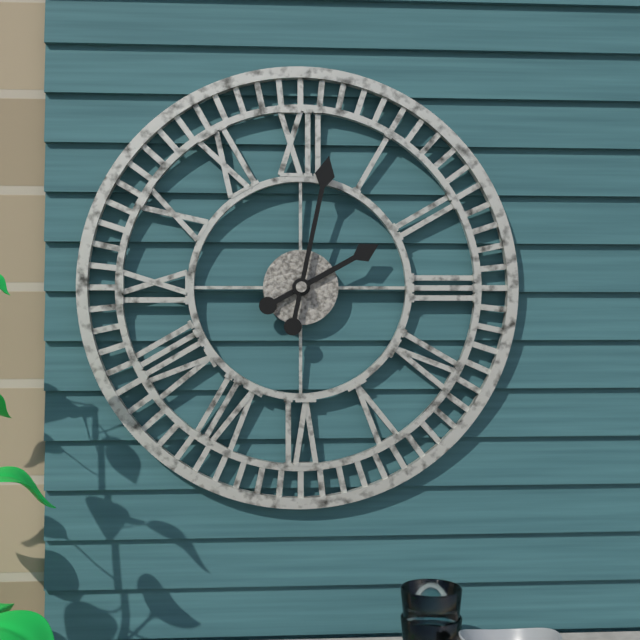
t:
2 h 02 min
